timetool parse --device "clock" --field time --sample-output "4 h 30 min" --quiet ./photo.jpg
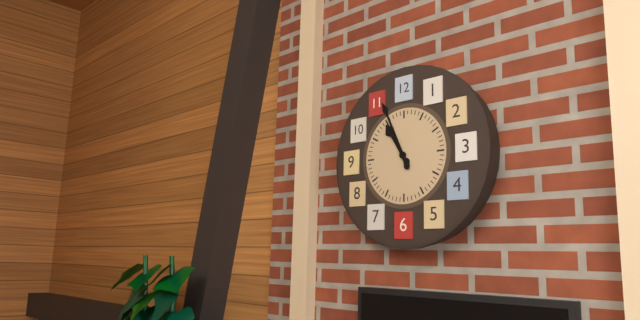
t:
10 h 56 min
